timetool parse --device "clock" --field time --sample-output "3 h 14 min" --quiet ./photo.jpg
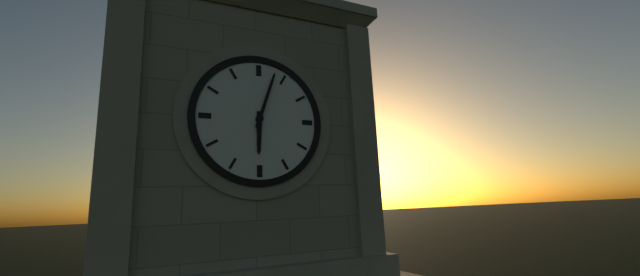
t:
6 h 03 min
